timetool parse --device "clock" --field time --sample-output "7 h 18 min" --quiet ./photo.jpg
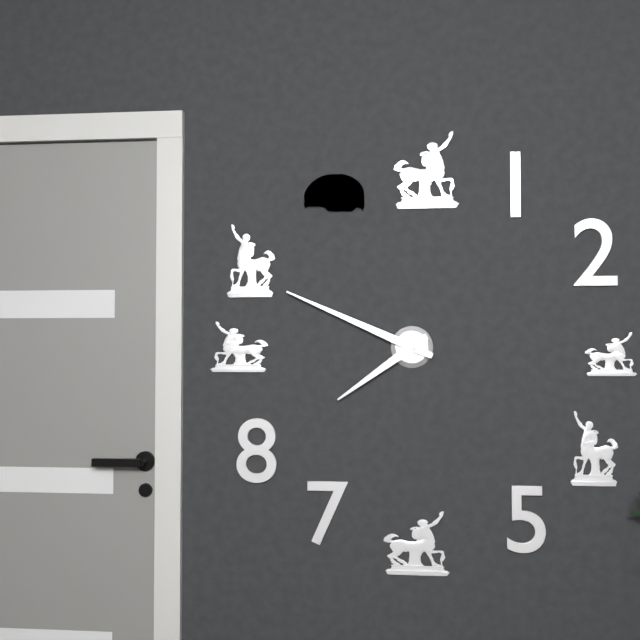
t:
7 h 49 min
